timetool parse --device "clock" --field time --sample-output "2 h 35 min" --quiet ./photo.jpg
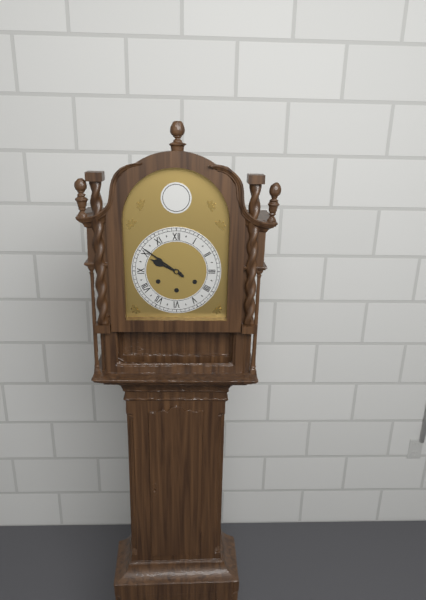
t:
9 h 51 min
